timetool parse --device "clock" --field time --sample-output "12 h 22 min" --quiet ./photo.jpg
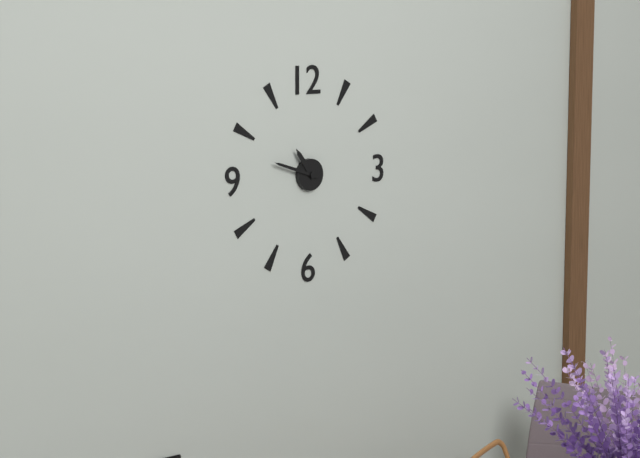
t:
10 h 48 min
